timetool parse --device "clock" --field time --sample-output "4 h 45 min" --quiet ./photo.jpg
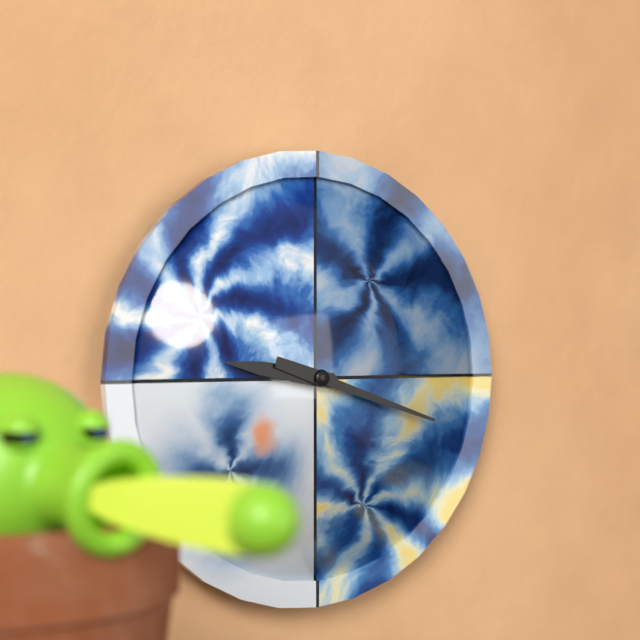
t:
9 h 18 min
